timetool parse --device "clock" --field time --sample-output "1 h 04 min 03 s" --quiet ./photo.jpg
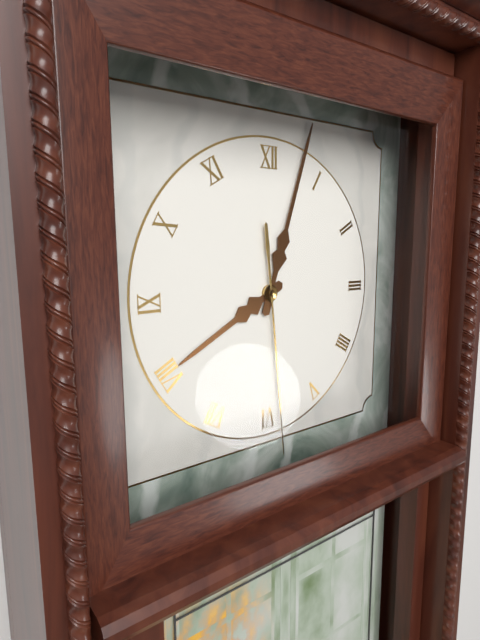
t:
8 h 03 min 29 s
